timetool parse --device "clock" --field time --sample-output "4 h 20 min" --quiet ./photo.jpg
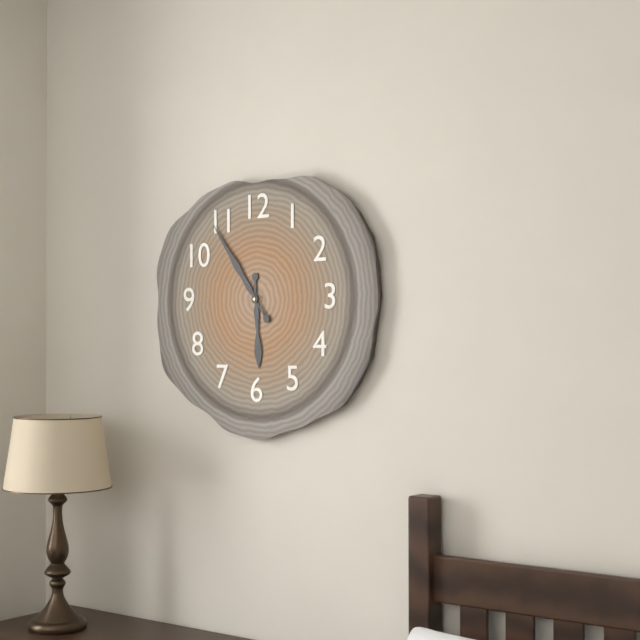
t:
5 h 54 min
